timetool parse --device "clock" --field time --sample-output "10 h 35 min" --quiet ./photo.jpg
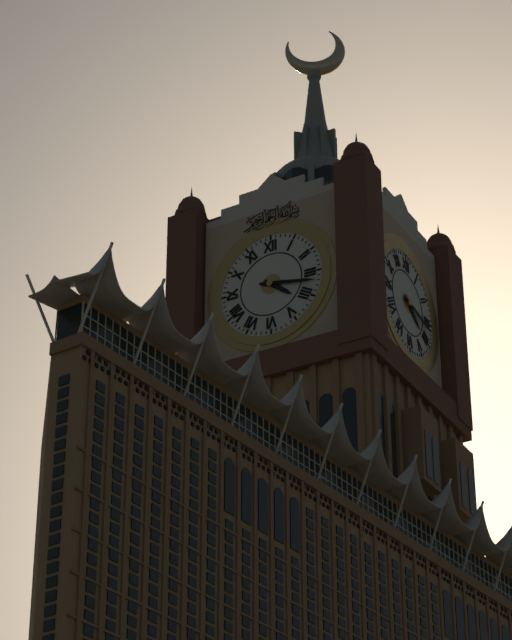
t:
4 h 17 min
